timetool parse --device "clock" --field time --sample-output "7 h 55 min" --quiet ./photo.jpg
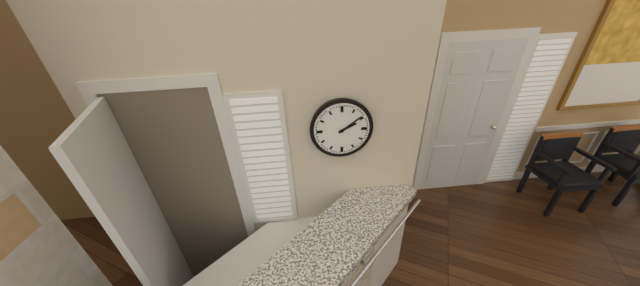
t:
2 h 09 min
